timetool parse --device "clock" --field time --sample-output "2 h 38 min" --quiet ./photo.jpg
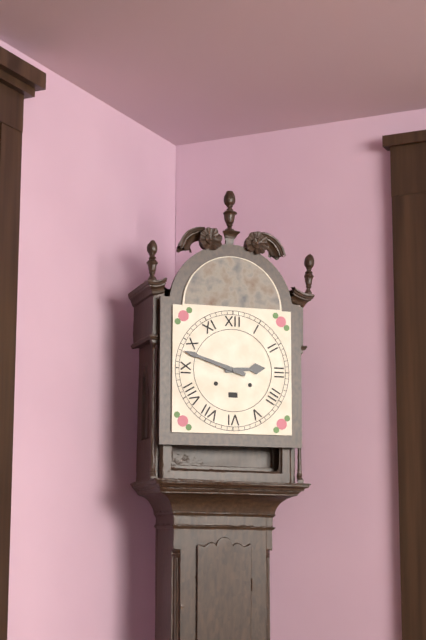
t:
2 h 48 min
